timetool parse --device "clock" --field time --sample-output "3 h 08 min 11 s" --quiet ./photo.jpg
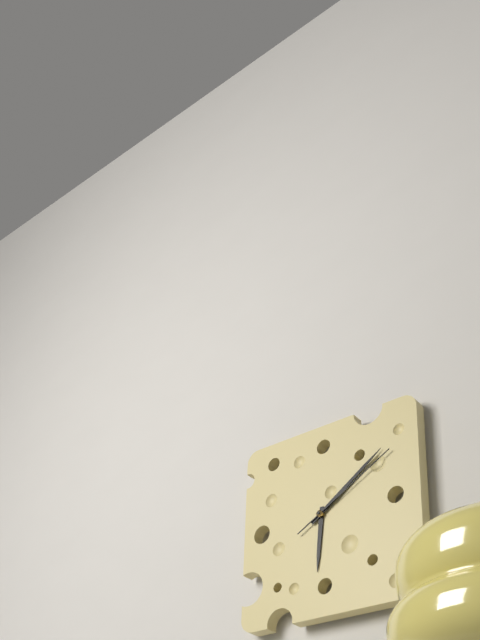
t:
6 h 09 min 10 s
